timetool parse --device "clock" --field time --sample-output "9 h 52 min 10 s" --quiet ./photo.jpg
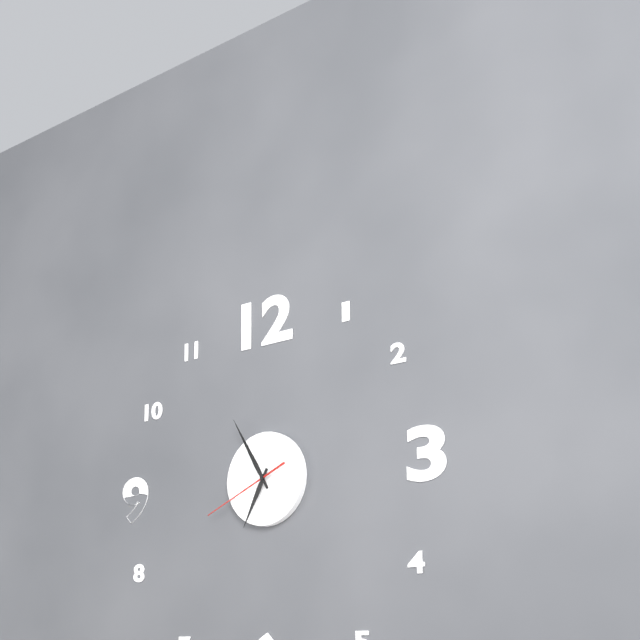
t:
6 h 55 min 41 s
